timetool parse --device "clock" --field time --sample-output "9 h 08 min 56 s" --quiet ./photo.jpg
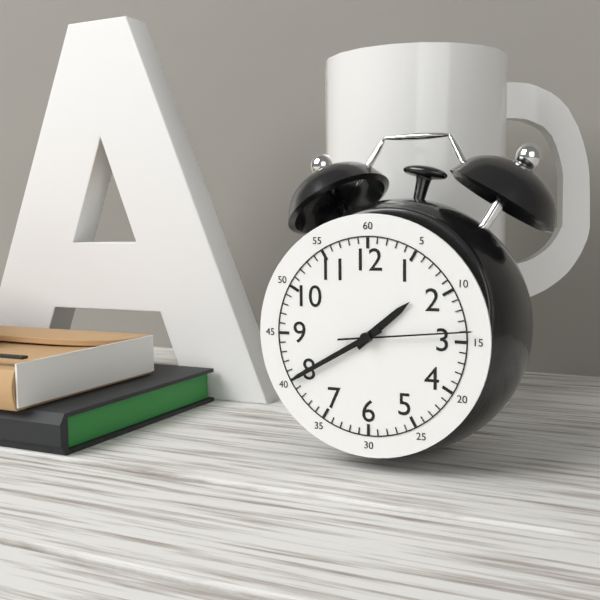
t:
1 h 40 min 14 s
